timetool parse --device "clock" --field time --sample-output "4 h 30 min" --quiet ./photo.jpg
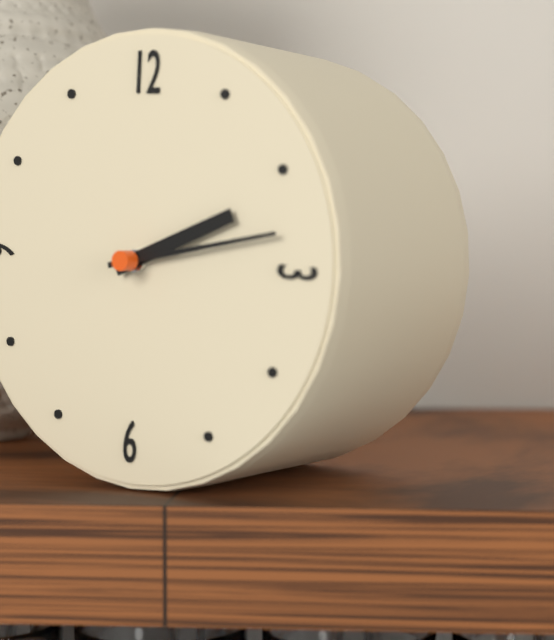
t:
2 h 13 min
